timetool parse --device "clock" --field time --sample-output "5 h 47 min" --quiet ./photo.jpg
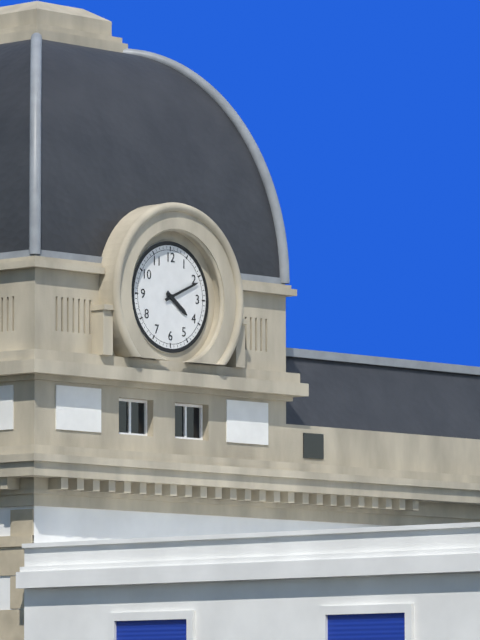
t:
4 h 11 min
